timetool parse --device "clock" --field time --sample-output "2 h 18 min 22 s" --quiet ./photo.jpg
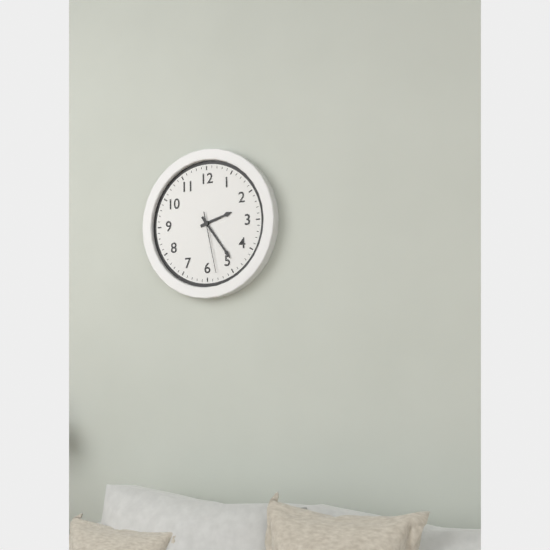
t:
2 h 24 min 28 s
